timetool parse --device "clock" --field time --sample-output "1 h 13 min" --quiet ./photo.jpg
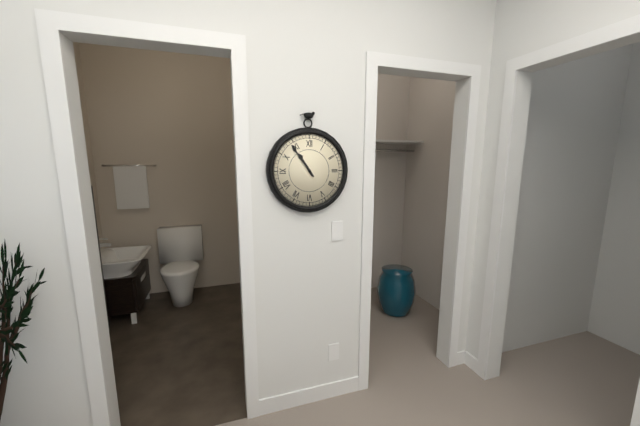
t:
10 h 54 min
